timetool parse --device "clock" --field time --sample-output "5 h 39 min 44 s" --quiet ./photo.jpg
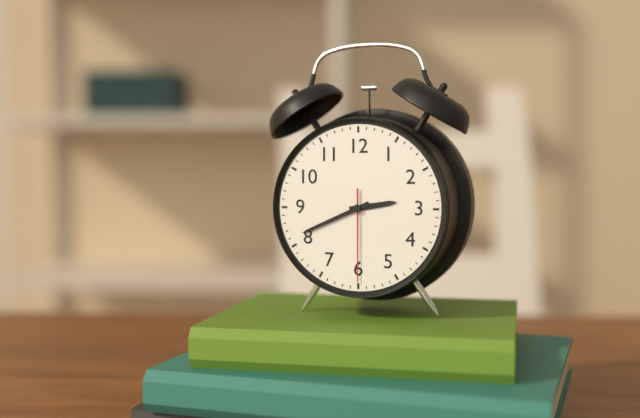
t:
2 h 41 min 30 s
